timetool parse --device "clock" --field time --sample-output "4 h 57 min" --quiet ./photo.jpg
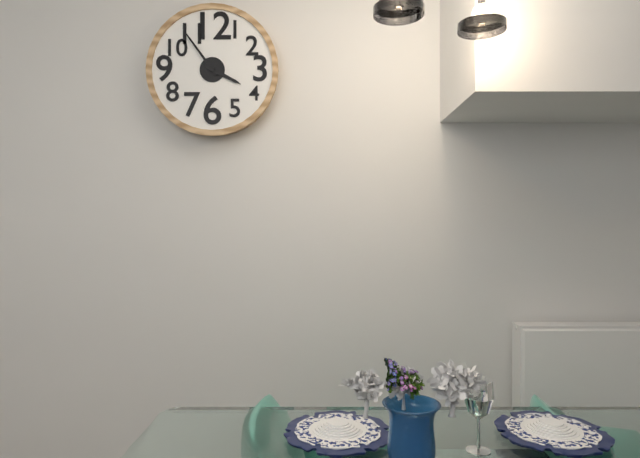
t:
3 h 54 min
